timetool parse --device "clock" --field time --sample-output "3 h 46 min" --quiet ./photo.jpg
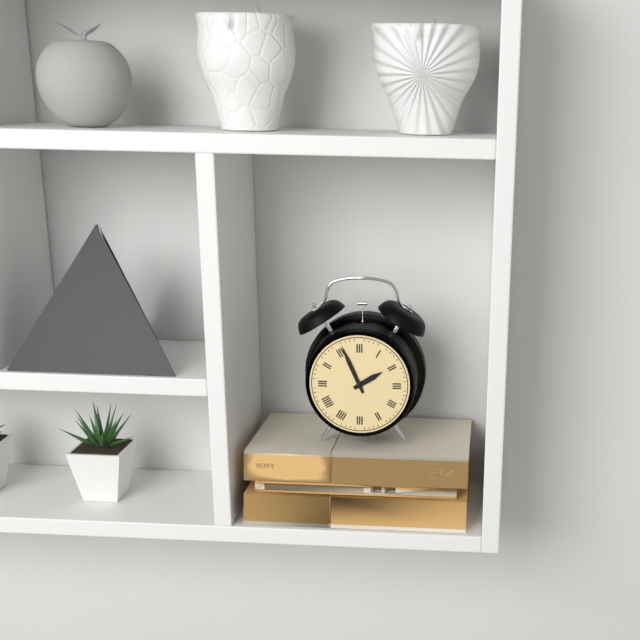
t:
1 h 56 min
